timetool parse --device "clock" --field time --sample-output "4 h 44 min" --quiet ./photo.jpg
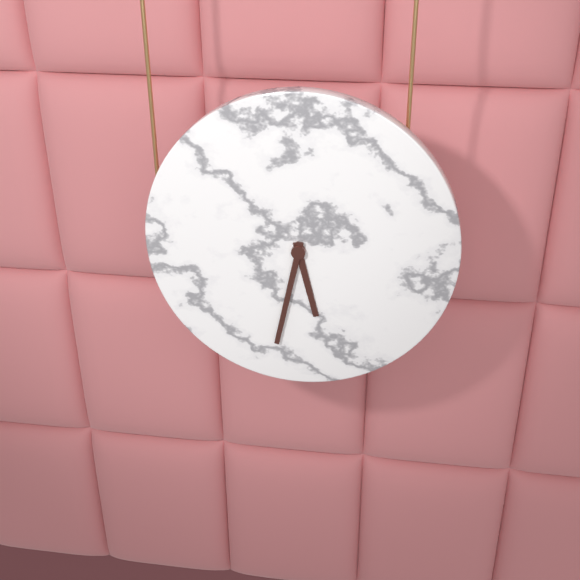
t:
5 h 32 min
